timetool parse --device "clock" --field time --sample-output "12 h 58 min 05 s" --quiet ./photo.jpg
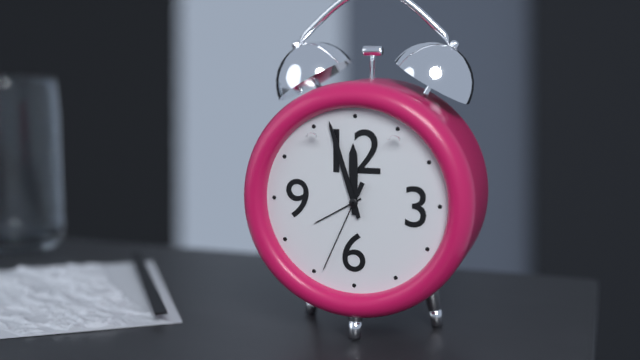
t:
11 h 57 min 34 s
